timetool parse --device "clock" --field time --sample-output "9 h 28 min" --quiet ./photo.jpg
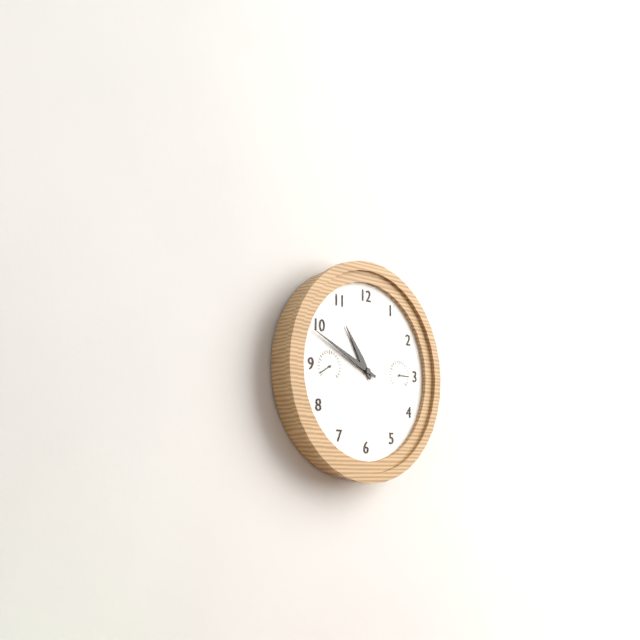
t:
10 h 49 min
